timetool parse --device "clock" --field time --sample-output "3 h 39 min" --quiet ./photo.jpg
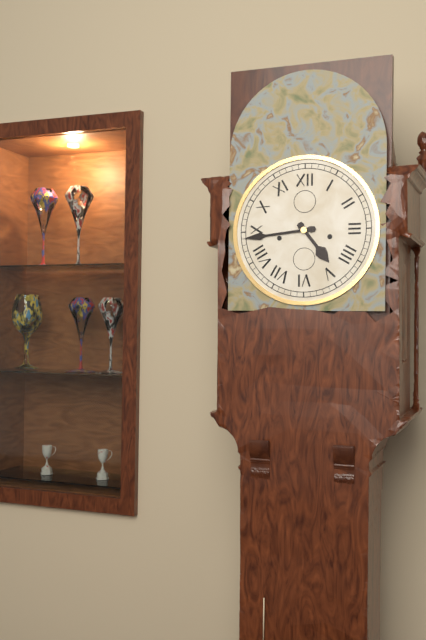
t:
4 h 44 min
